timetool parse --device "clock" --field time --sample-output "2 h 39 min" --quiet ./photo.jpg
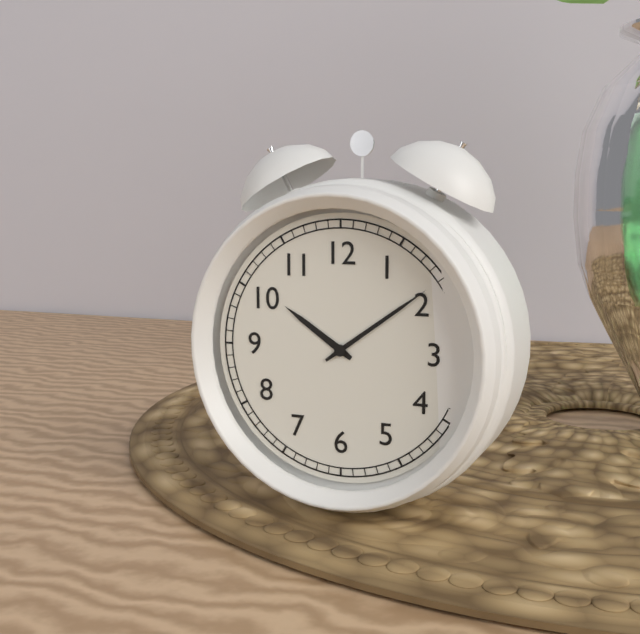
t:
10 h 09 min
